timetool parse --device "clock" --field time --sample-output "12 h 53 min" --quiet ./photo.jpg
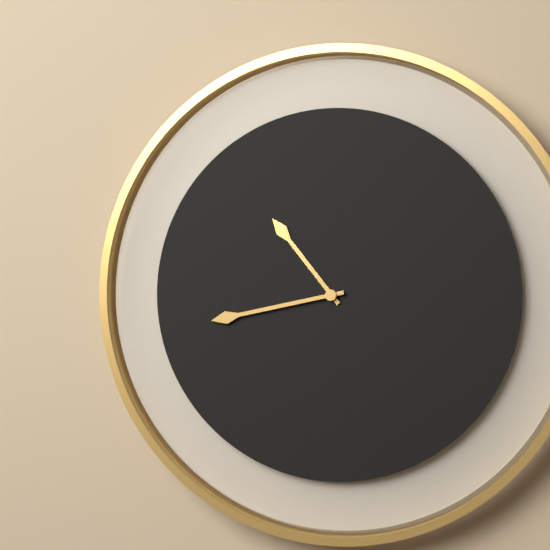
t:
10 h 43 min
